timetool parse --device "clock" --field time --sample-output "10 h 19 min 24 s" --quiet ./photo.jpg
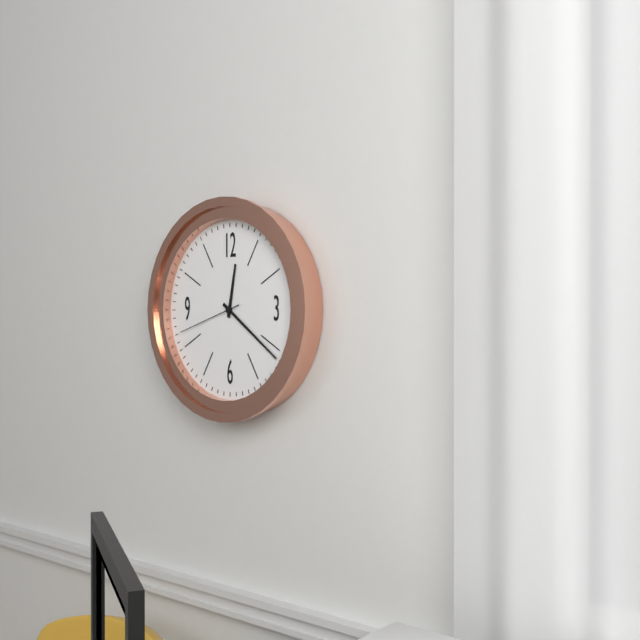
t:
12 h 21 min 42 s
